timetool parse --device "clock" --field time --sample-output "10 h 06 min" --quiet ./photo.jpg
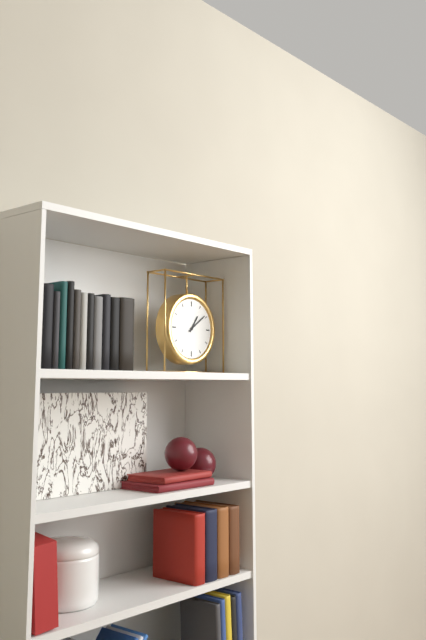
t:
1 h 09 min
